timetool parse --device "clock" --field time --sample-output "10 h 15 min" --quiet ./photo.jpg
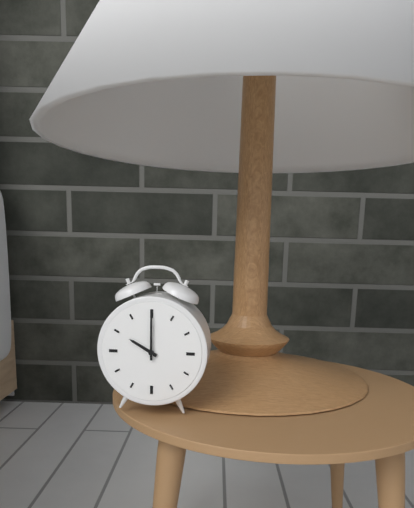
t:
10 h 00 min
